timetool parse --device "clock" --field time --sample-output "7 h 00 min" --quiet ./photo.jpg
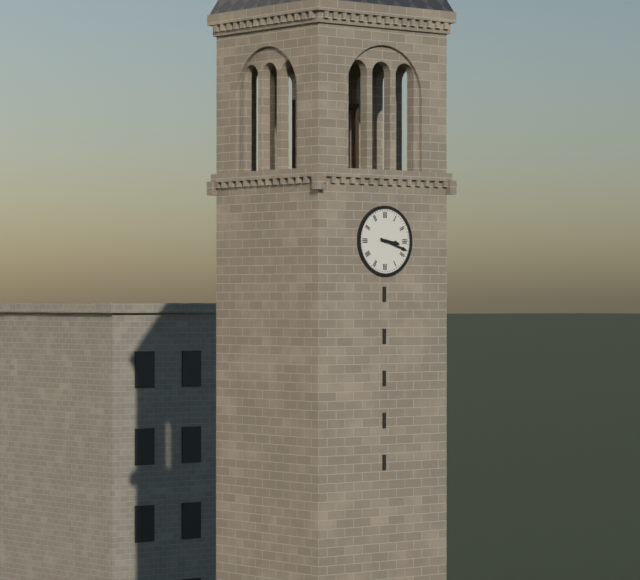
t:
3 h 18 min
